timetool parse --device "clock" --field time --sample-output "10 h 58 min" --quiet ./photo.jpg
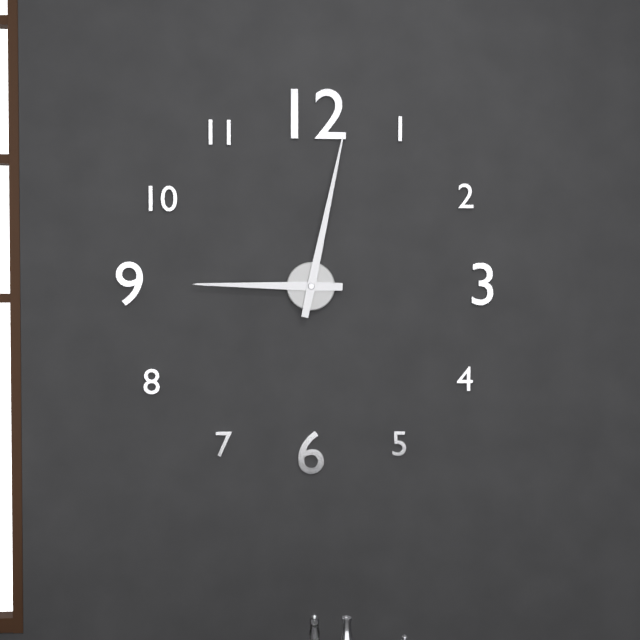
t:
9 h 02 min
